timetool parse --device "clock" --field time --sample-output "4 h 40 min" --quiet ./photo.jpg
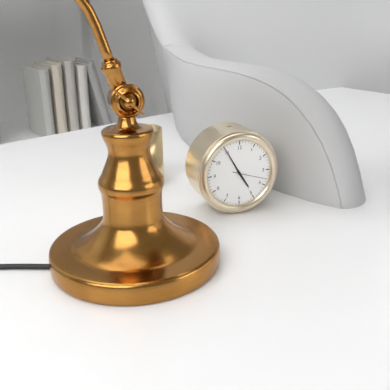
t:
4 h 55 min
